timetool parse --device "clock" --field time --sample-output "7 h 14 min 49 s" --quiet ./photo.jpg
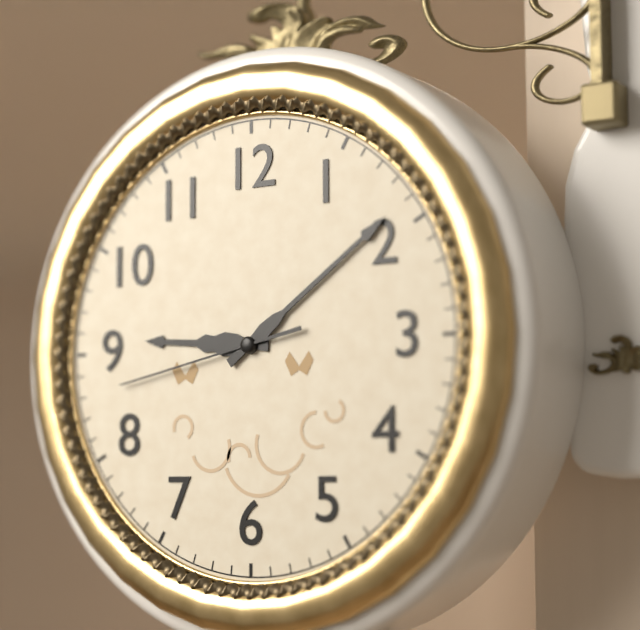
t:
9 h 09 min 43 s
